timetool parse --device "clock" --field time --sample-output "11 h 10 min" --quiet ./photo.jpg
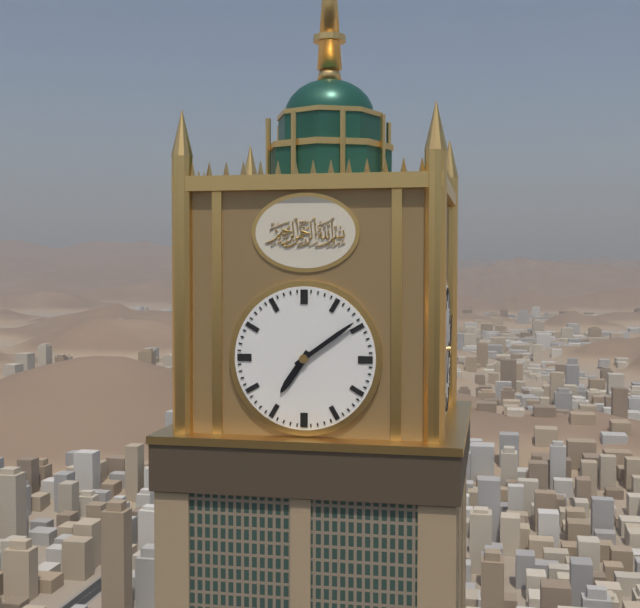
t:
7 h 09 min
